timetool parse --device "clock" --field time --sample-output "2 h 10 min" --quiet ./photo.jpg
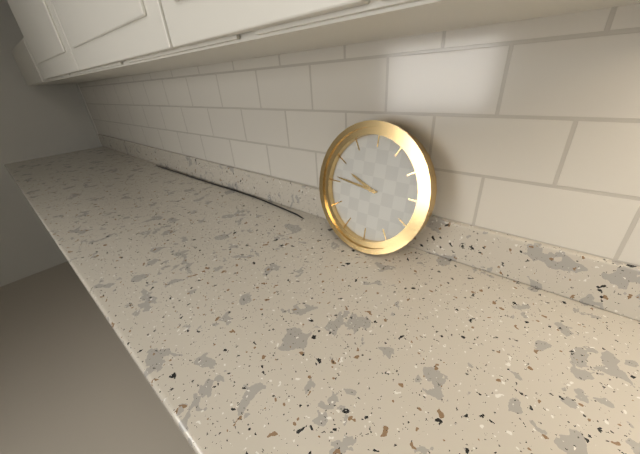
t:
9 h 46 min
